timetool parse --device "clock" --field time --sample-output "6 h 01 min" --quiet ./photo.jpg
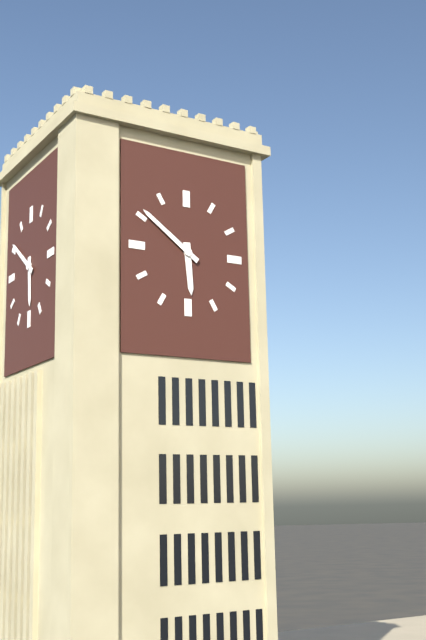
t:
5 h 51 min
